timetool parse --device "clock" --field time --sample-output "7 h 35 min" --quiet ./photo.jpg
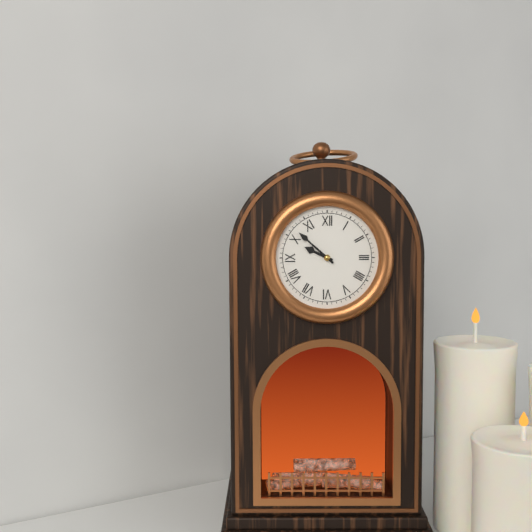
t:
9 h 52 min
